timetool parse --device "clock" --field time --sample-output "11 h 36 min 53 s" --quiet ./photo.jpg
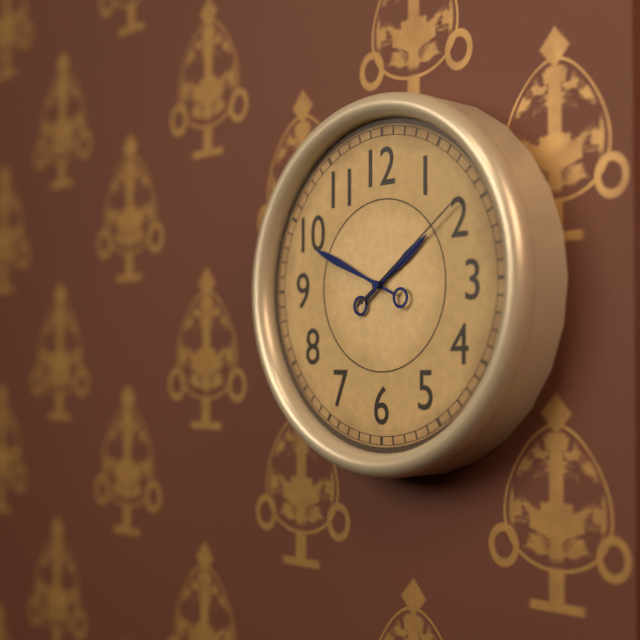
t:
1 h 49 min 09 s
